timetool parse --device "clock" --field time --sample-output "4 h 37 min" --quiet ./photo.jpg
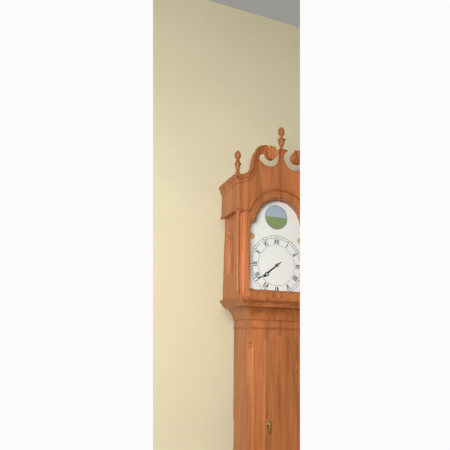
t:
7 h 39 min
